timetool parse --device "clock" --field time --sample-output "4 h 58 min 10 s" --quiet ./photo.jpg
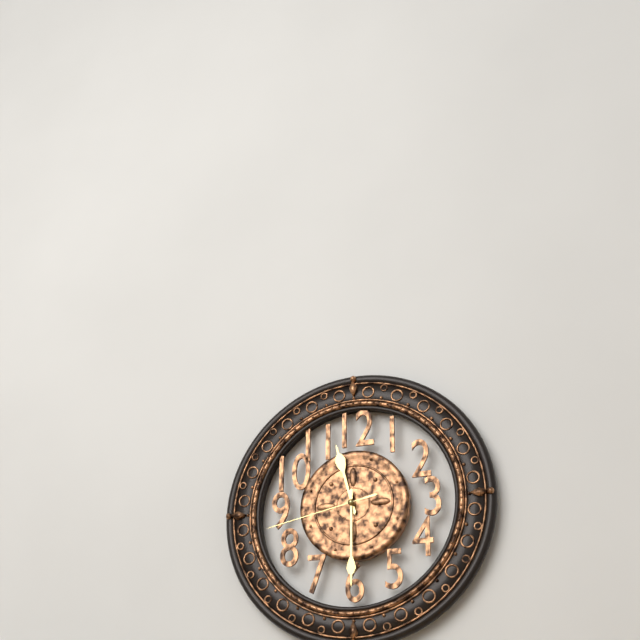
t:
11 h 30 min 43 s
